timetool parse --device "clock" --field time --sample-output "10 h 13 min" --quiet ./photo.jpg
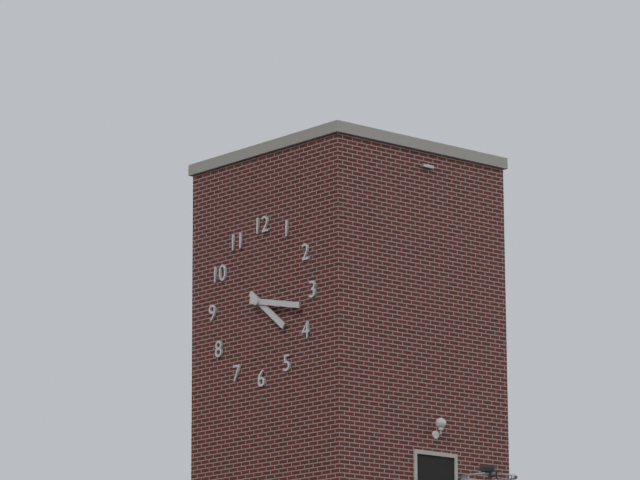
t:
4 h 17 min
